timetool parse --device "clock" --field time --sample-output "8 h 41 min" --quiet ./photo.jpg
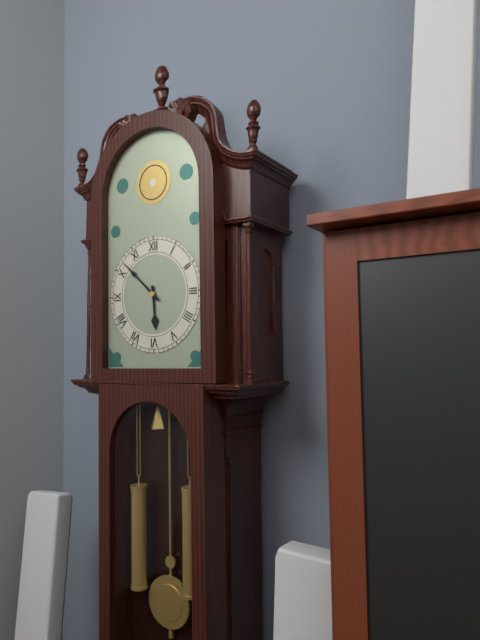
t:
5 h 52 min
